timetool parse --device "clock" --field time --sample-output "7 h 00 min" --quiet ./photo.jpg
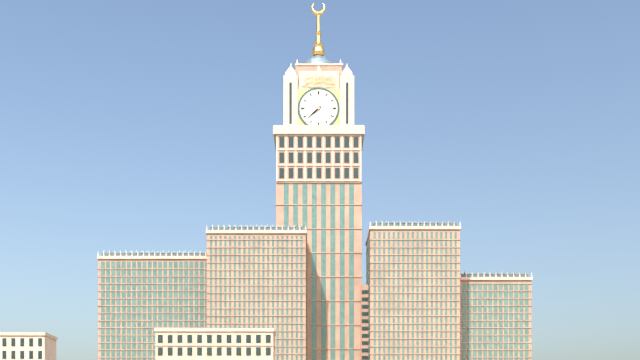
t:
7 h 38 min
